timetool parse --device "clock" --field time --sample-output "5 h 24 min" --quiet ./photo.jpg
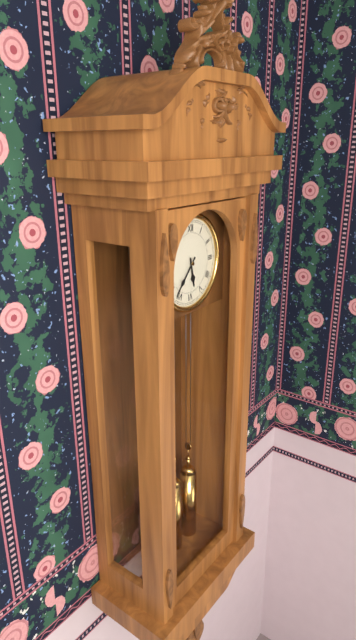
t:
5 h 37 min
